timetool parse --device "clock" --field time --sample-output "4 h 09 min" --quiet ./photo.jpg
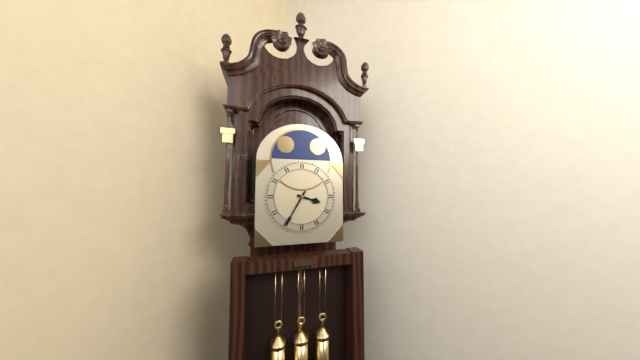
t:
3 h 35 min
